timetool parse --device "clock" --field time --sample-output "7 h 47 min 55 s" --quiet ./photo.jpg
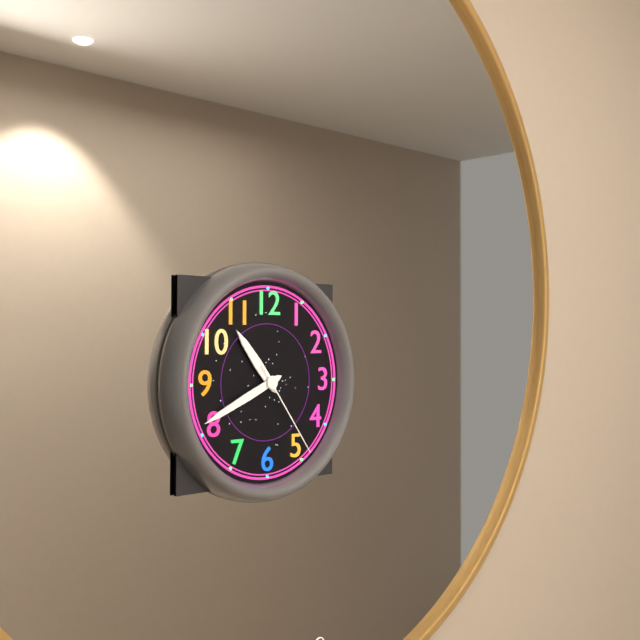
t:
10 h 41 min 24 s
